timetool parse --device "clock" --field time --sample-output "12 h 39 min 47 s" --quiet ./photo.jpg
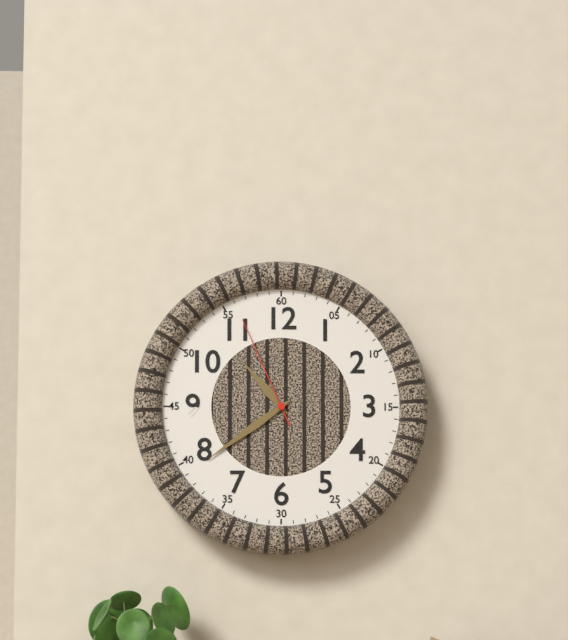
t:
10 h 39 min 56 s
